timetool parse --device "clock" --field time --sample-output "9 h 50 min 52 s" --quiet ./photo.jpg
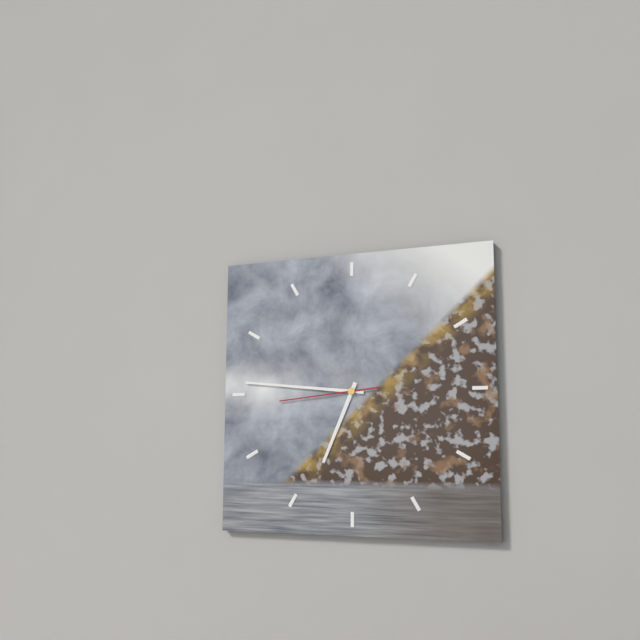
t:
6 h 46 min 44 s
